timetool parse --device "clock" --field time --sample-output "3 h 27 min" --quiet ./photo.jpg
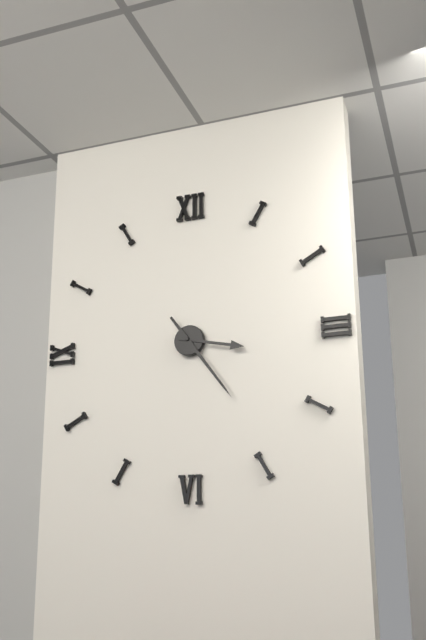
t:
3 h 24 min
